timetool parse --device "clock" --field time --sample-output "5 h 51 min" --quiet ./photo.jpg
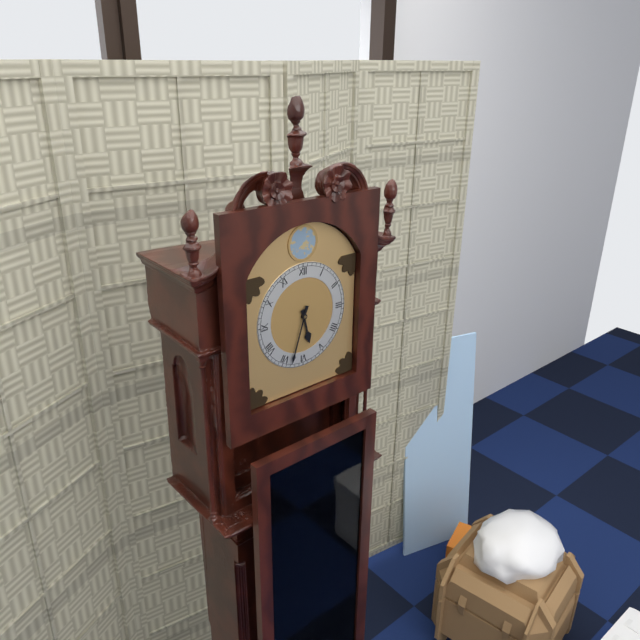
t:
5 h 33 min
